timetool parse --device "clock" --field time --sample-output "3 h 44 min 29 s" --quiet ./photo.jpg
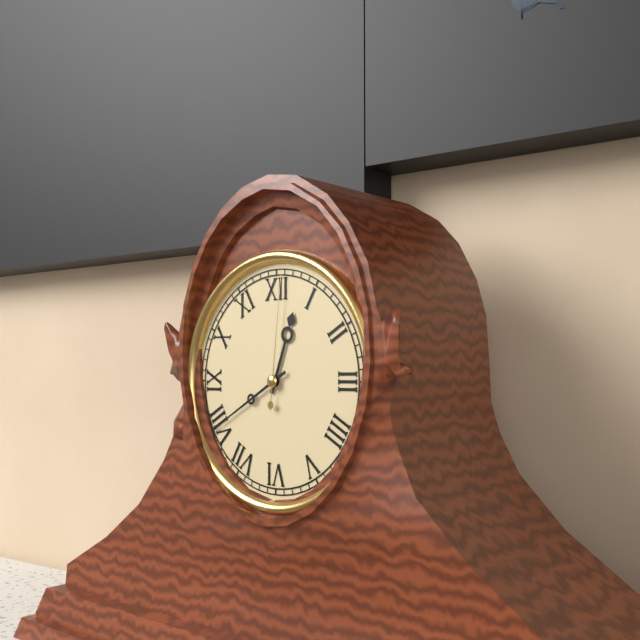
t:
12 h 40 min 01 s
